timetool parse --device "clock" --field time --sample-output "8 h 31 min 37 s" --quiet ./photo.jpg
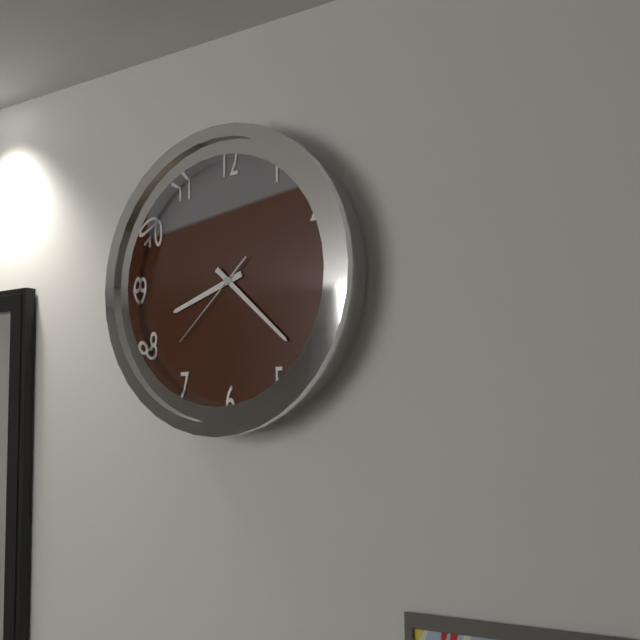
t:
8 h 22 min 38 s
